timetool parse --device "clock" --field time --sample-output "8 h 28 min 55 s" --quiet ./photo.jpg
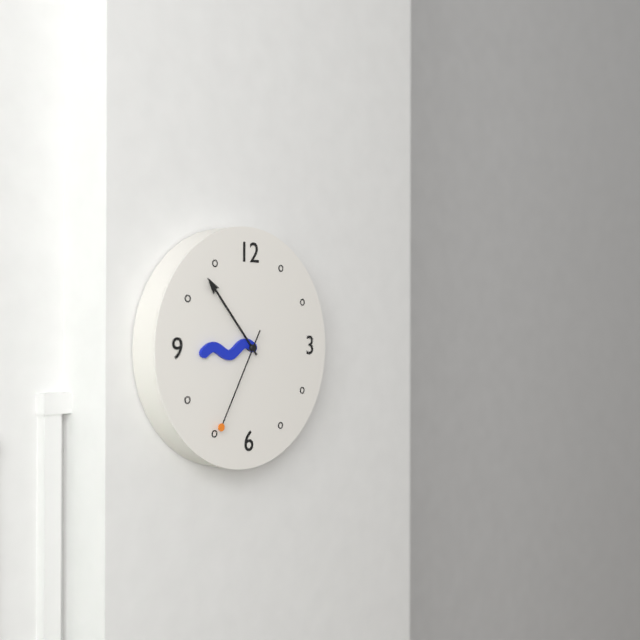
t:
8 h 53 min 35 s
